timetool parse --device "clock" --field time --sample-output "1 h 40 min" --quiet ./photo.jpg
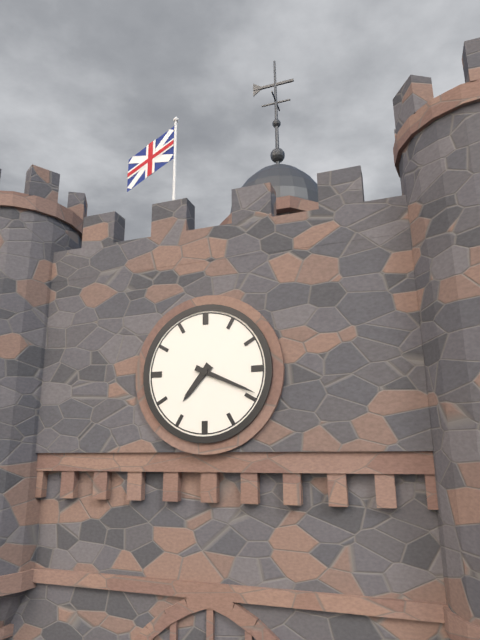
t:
7 h 19 min
